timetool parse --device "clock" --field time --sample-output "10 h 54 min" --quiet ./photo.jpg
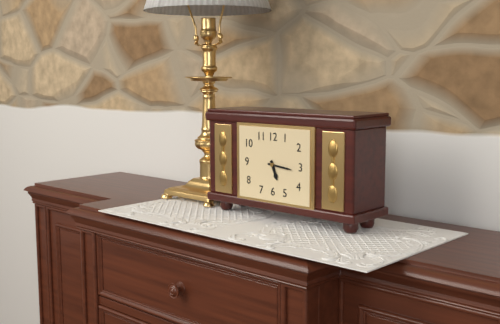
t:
5 h 16 min
